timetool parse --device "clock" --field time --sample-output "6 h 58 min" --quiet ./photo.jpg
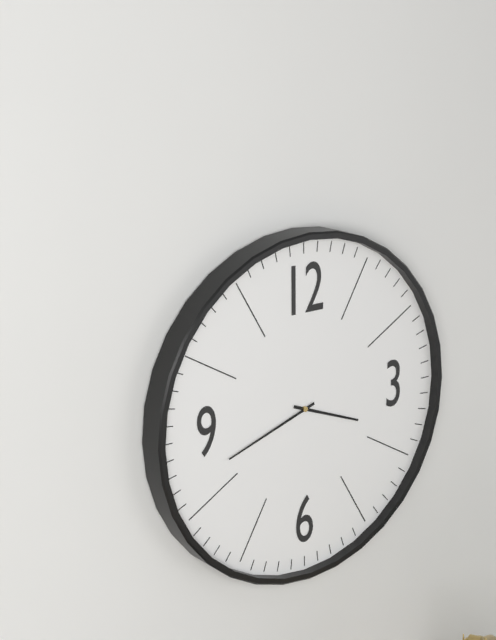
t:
3 h 42 min
